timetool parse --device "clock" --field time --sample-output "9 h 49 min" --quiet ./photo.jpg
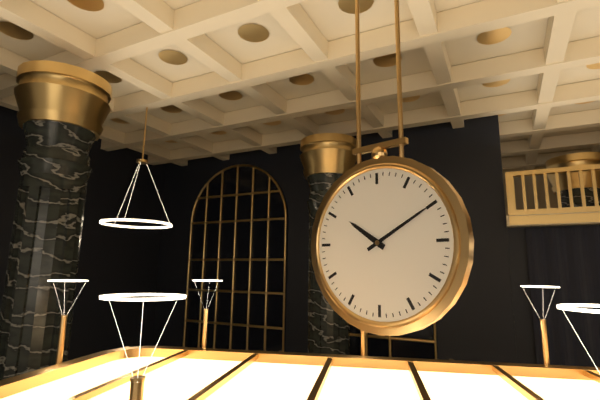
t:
10 h 10 min
